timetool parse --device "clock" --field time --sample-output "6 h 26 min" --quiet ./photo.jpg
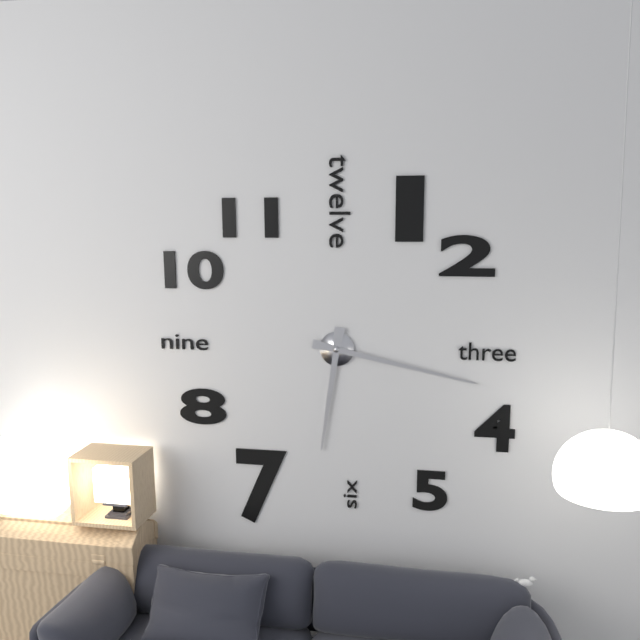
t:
6 h 17 min
